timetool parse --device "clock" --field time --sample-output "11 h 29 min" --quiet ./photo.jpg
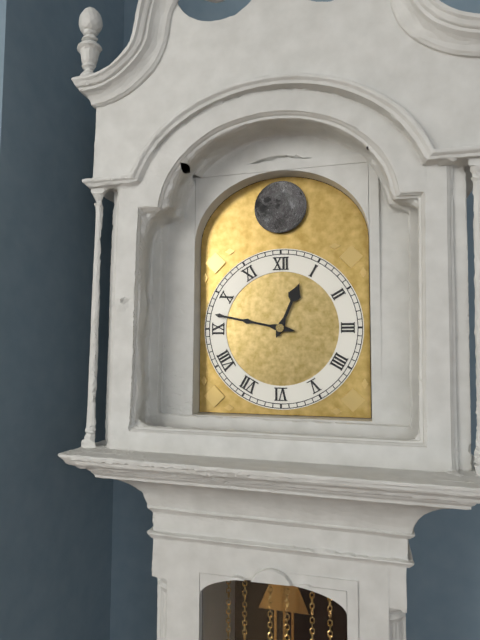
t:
12 h 47 min
